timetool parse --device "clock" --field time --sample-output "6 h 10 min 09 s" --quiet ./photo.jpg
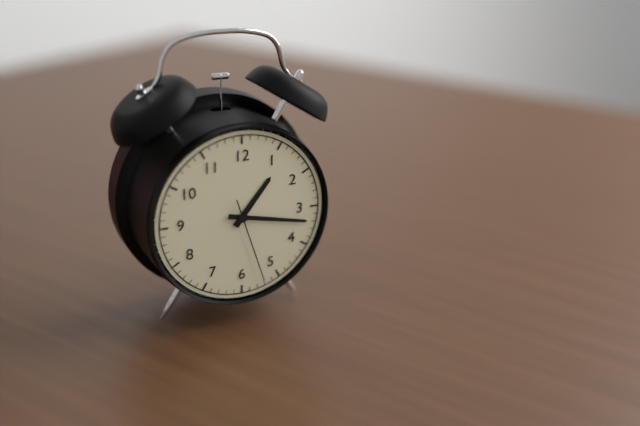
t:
1 h 17 min 27 s
